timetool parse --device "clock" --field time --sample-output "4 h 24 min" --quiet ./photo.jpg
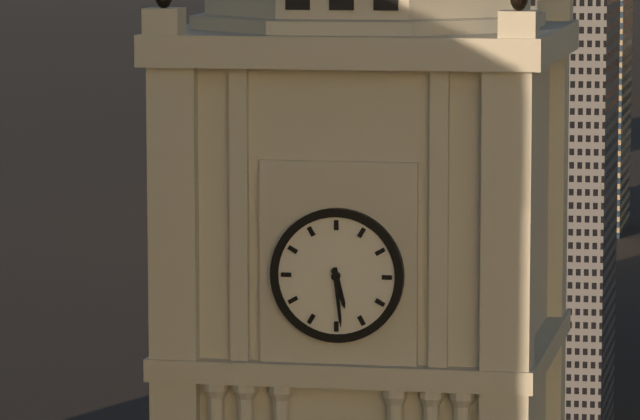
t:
5 h 29 min
